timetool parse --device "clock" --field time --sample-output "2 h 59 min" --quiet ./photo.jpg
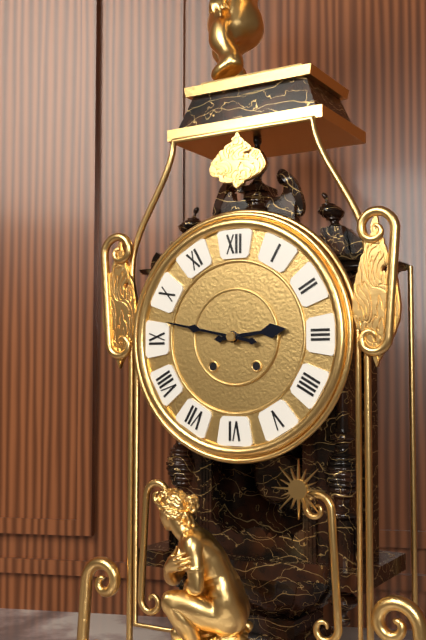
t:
2 h 47 min
